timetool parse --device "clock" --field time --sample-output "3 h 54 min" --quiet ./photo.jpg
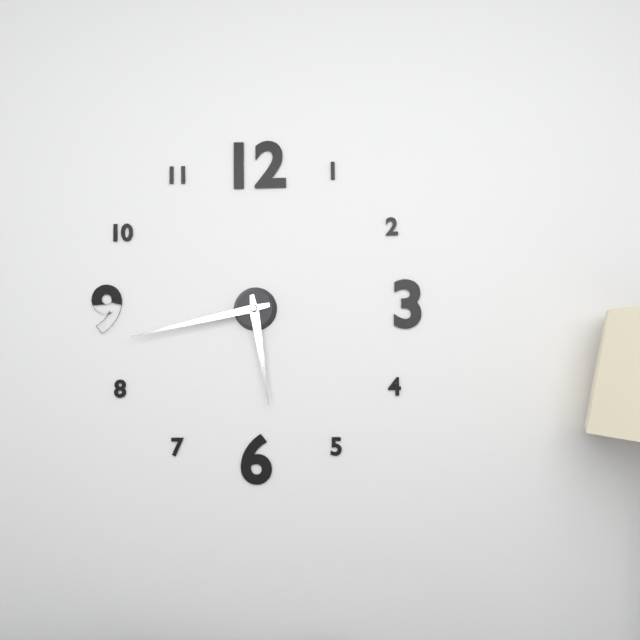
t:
5 h 43 min
